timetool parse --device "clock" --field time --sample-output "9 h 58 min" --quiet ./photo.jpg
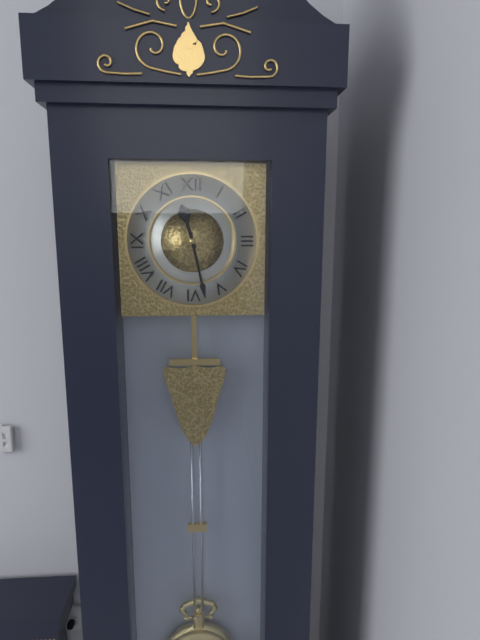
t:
11 h 28 min
